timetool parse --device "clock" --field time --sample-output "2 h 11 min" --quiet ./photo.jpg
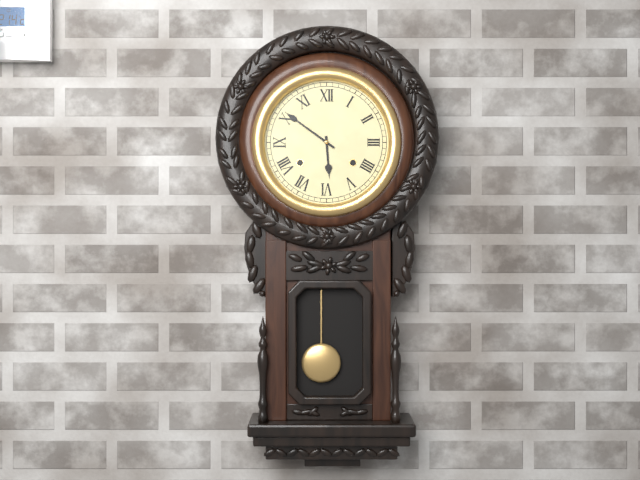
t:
5 h 51 min
